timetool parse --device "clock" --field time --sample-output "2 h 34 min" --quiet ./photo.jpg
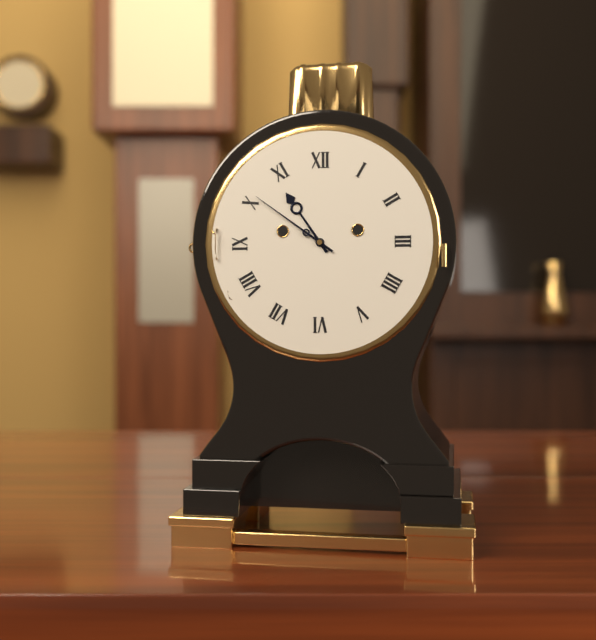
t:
10 h 51 min
